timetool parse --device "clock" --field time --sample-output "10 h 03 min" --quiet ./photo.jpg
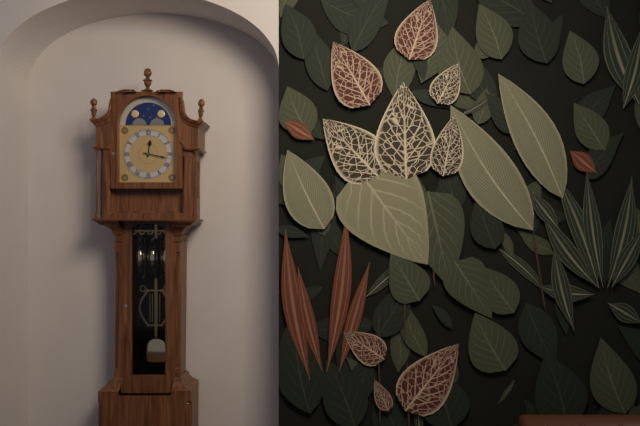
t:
12 h 17 min
